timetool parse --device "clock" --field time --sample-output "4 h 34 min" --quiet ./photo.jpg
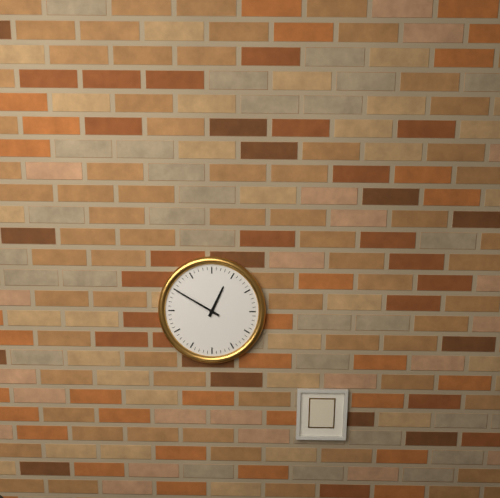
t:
12 h 50 min
